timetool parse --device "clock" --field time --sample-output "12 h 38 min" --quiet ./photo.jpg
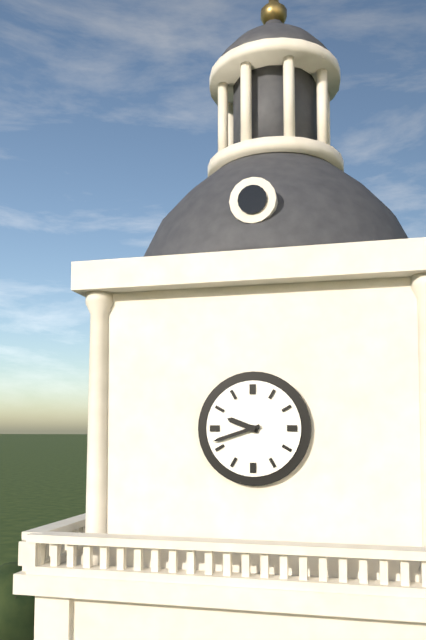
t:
9 h 42 min
